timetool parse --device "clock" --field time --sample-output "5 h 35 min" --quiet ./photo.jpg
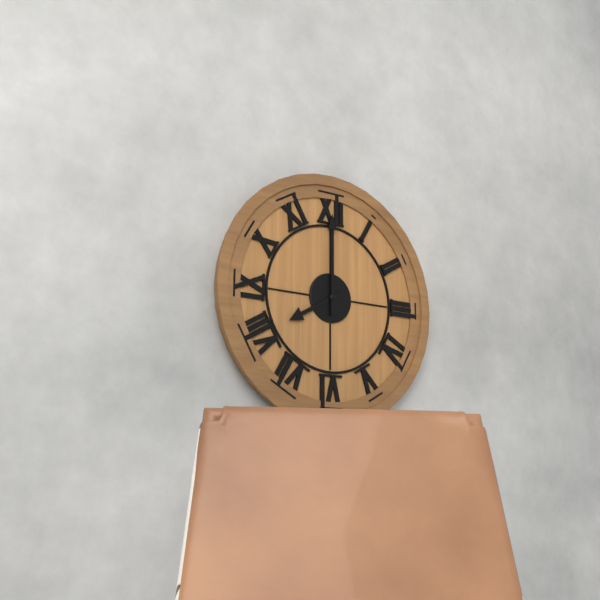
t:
8 h 00 min
